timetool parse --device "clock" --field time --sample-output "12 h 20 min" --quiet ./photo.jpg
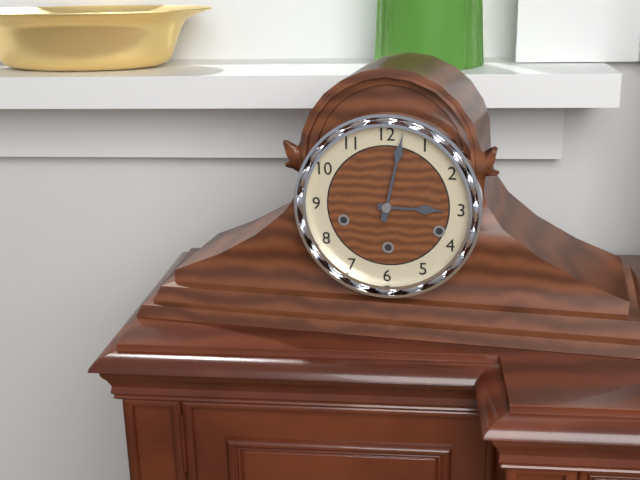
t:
3 h 02 min
